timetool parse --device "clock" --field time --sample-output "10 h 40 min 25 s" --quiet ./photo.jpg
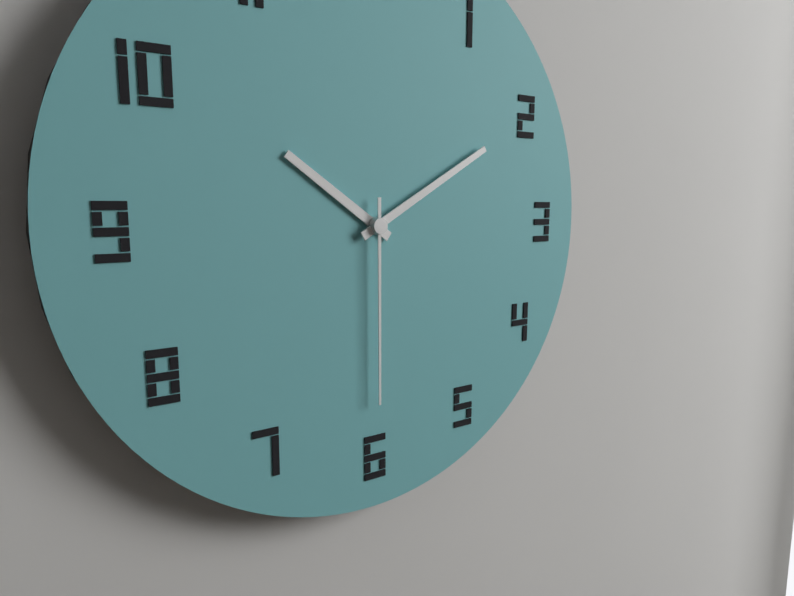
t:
10 h 10 min 30 s
